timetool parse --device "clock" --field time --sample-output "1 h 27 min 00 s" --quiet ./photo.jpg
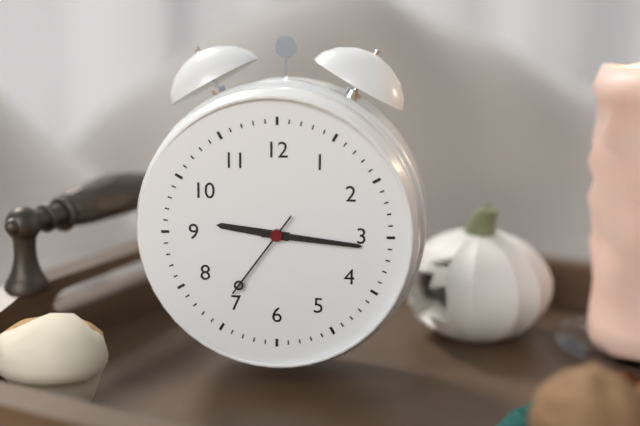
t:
9 h 16 min 36 s
